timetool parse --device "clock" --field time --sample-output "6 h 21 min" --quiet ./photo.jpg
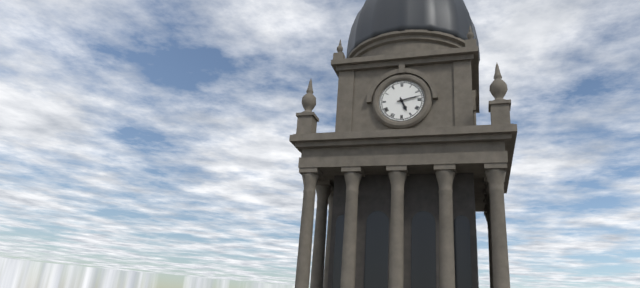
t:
5 h 13 min
